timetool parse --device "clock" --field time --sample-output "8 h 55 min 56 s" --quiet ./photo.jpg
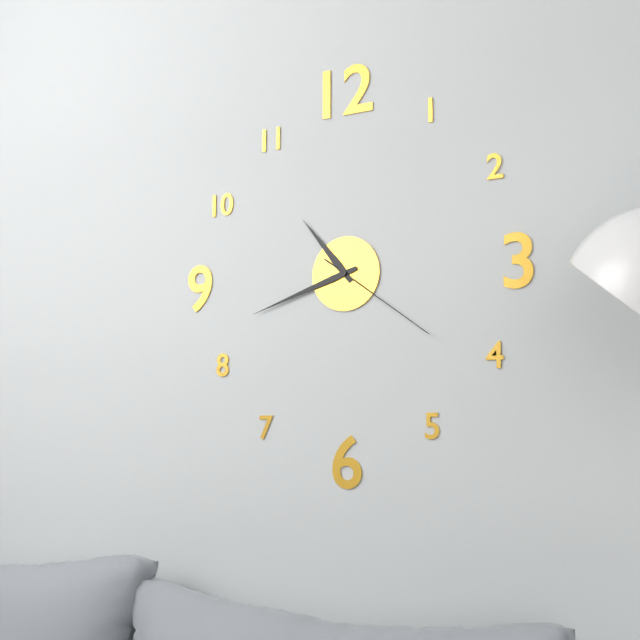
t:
10 h 42 min 21 s
